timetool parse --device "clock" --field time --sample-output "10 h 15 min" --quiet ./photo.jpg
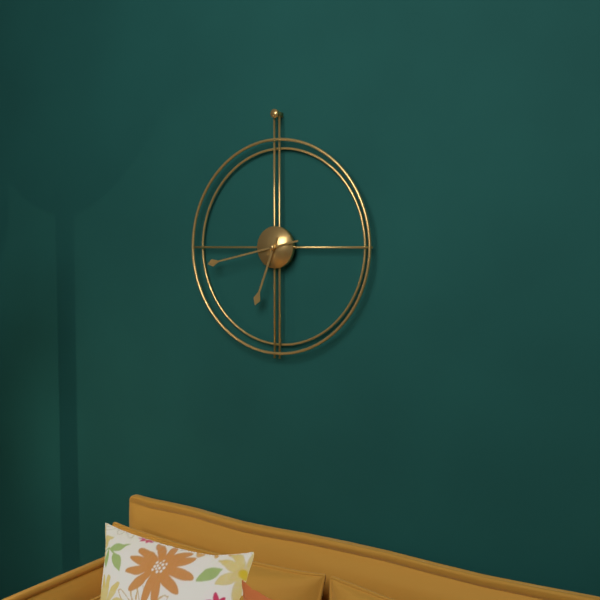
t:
6 h 43 min
